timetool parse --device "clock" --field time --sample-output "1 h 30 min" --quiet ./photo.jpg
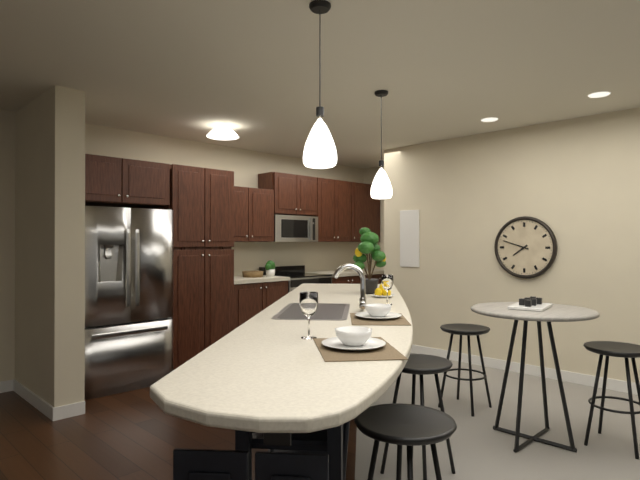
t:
7 h 48 min
